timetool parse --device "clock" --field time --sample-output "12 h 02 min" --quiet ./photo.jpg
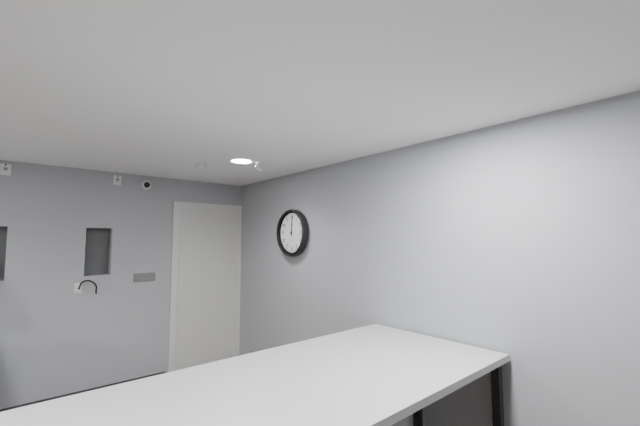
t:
12 h 01 min
